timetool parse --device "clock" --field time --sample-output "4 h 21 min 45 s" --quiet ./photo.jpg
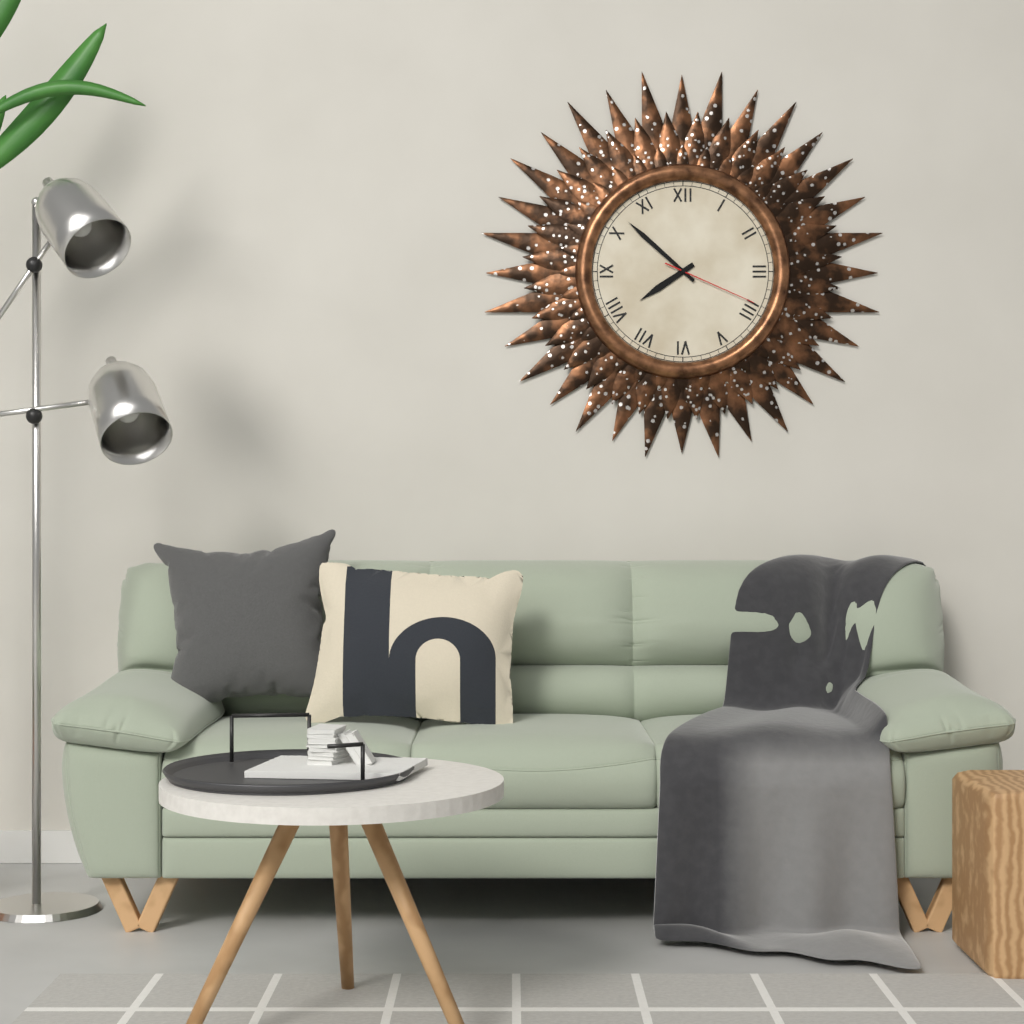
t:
7 h 52 min 19 s
